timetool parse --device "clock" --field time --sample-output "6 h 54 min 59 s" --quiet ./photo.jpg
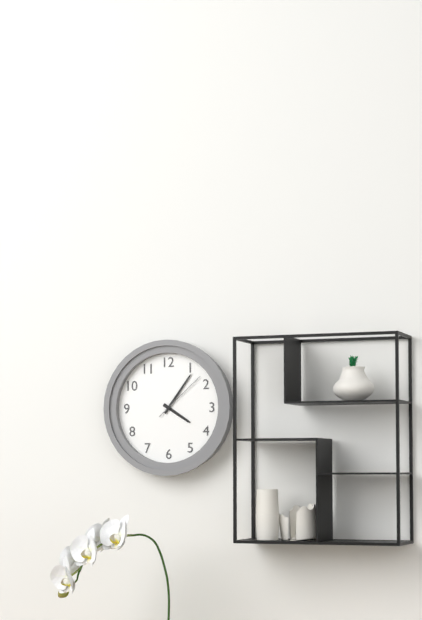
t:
4 h 06 min 08 s
